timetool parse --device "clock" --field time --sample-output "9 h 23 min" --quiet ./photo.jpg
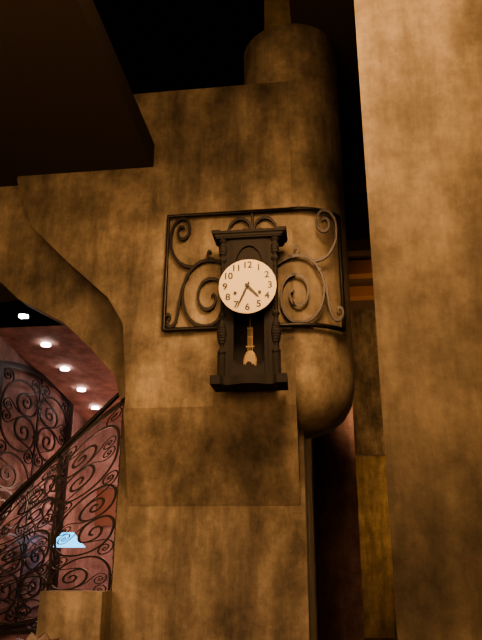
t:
4 h 34 min
